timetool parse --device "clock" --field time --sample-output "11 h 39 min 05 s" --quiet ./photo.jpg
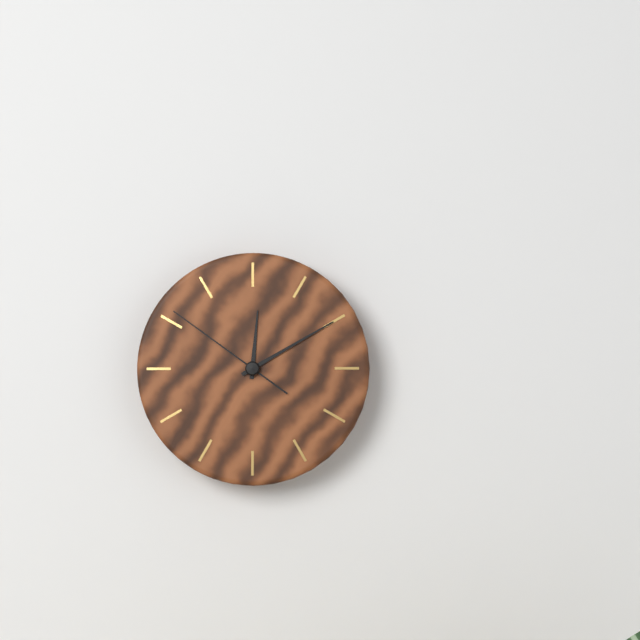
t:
12 h 10 min 51 s
